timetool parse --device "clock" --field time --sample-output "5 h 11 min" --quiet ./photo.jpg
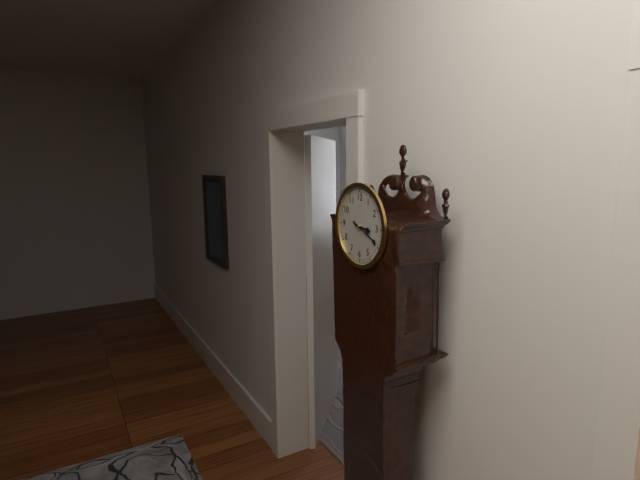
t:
3 h 19 min
